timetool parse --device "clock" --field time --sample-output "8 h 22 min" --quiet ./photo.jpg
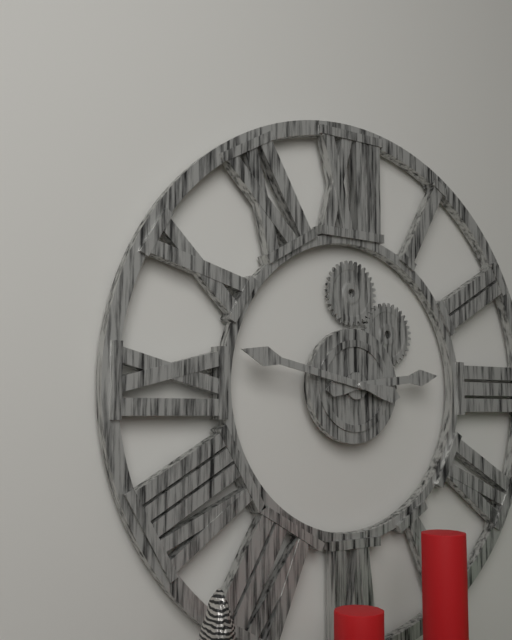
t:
2 h 47 min
